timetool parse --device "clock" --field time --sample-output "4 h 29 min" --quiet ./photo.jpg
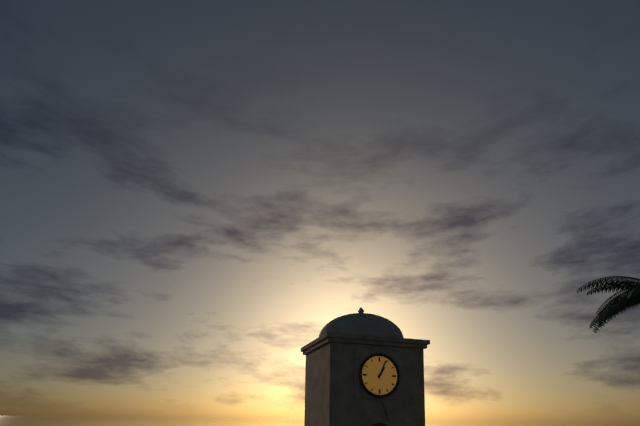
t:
1 h 04 min
